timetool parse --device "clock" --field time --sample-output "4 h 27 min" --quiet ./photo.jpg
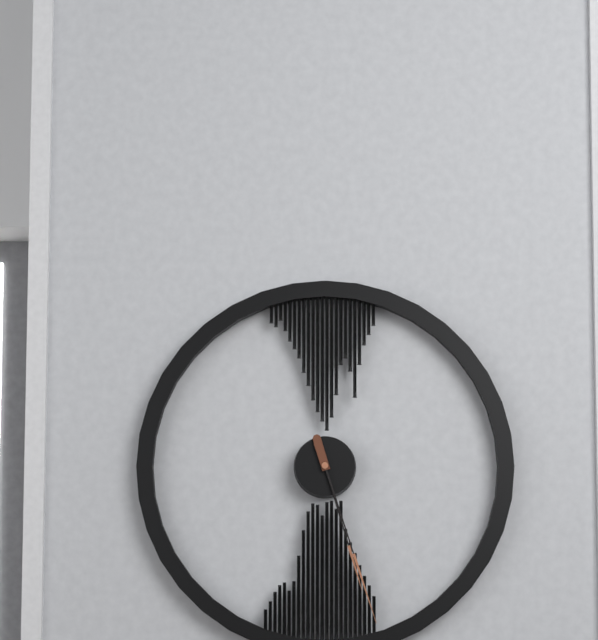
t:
5 h 27 min
